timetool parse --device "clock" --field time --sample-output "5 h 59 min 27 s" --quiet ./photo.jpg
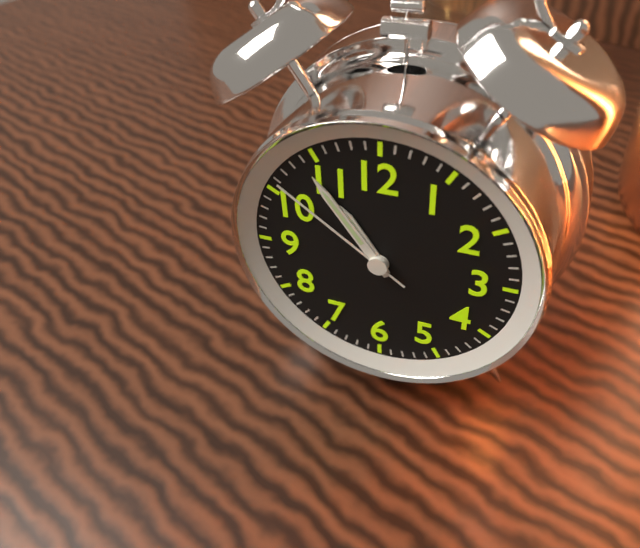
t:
10 h 54 min 51 s
